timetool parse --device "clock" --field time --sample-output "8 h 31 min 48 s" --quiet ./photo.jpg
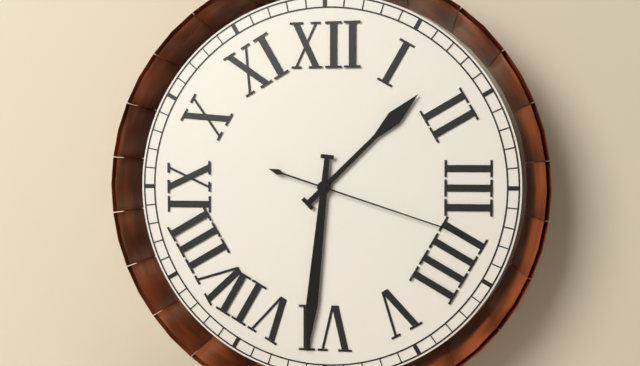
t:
1 h 31 min 18 s
